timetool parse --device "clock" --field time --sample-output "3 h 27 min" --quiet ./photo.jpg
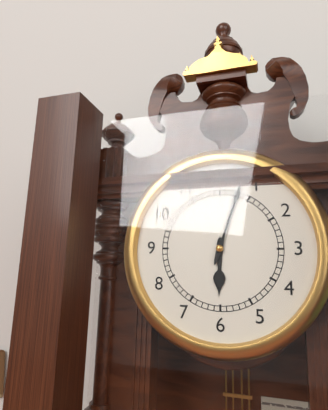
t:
6 h 03 min
